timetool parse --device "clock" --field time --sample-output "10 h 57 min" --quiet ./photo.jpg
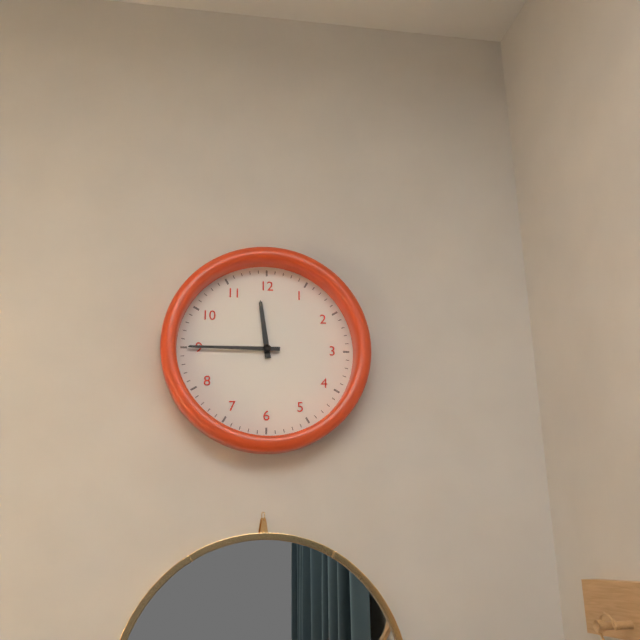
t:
11 h 45 min
